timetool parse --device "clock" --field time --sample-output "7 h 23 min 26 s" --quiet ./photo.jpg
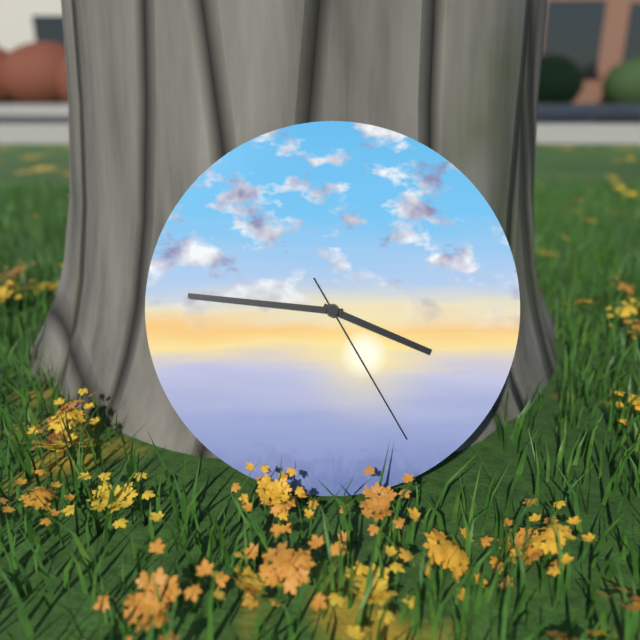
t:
3 h 46 min 25 s
